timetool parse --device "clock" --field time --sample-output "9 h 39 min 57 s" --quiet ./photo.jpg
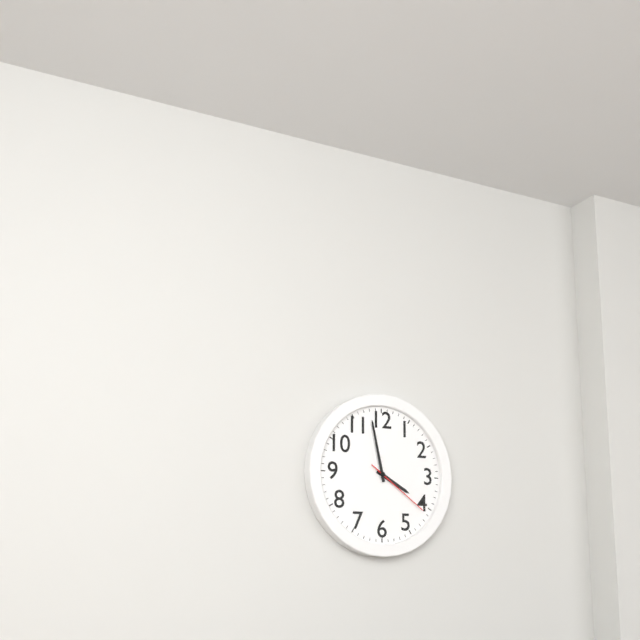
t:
3 h 58 min 21 s
